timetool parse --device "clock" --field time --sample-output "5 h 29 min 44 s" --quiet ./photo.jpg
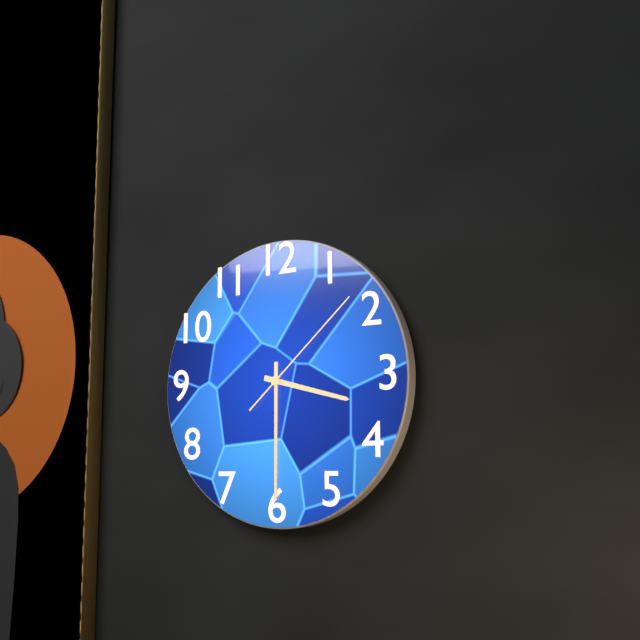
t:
3 h 30 min 08 s
